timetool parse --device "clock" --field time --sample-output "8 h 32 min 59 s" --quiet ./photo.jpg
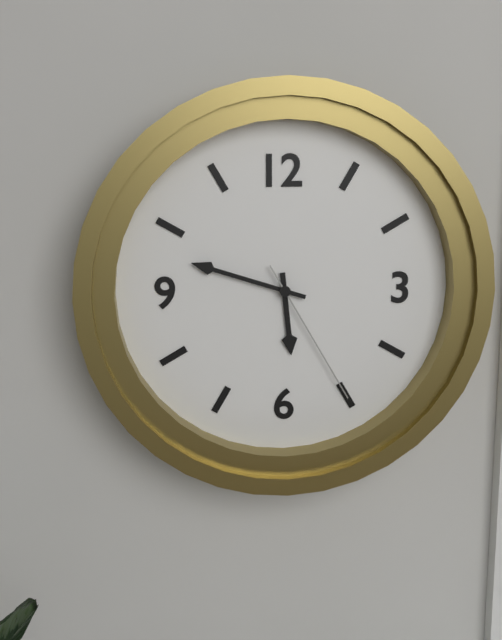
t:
5 h 48 min 25 s
